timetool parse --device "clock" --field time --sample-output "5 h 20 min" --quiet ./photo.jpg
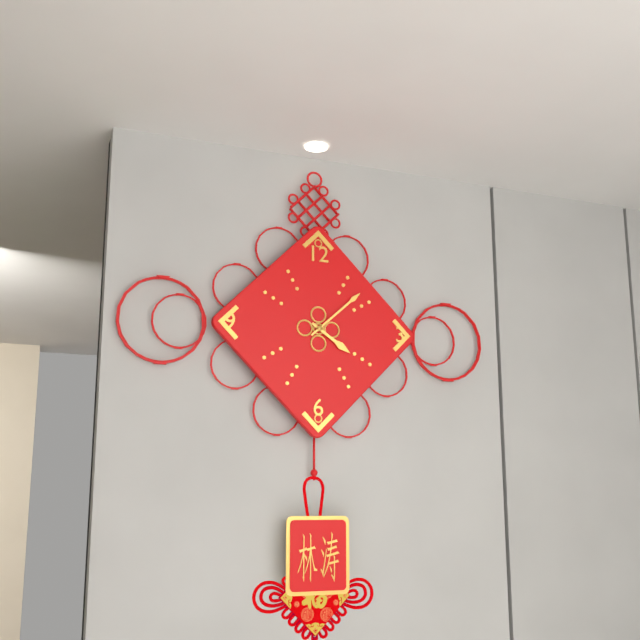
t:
4 h 08 min
